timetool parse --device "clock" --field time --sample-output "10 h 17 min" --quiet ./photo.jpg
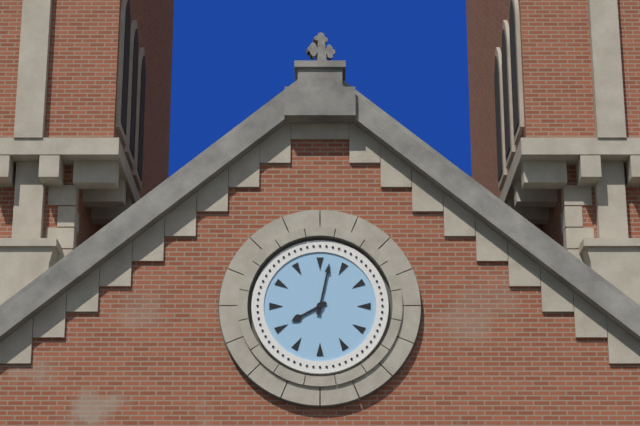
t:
8 h 02 min
